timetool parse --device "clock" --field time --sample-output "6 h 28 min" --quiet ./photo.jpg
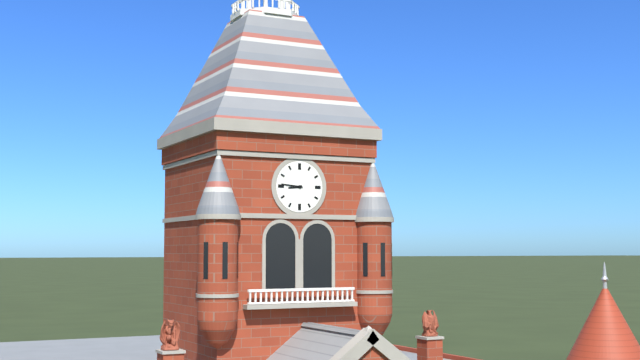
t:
8 h 46 min
